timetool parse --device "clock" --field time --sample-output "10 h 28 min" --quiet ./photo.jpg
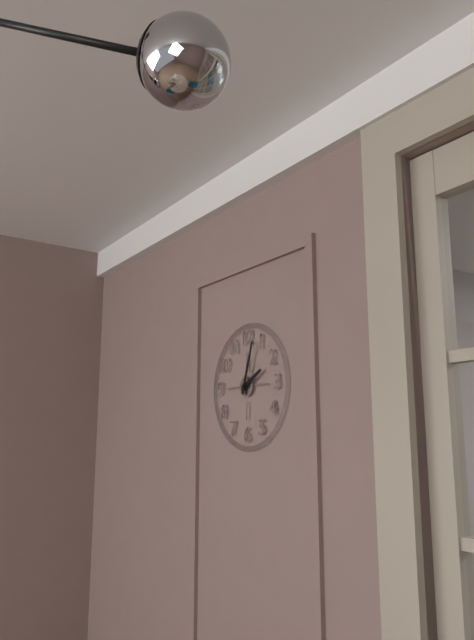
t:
2 h 03 min
